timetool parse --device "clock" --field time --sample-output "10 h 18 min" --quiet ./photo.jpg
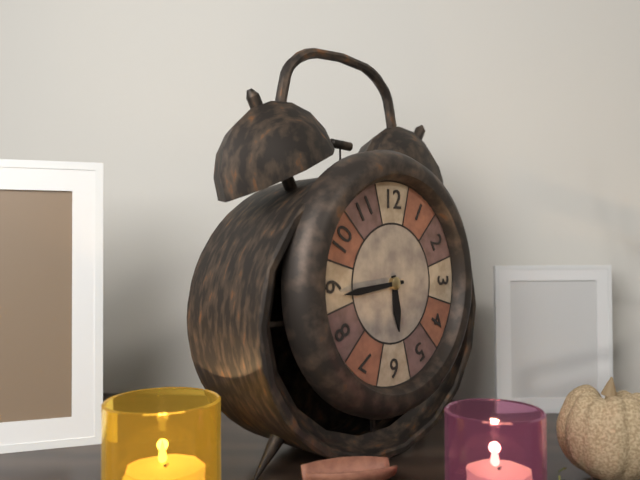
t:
5 h 44 min
